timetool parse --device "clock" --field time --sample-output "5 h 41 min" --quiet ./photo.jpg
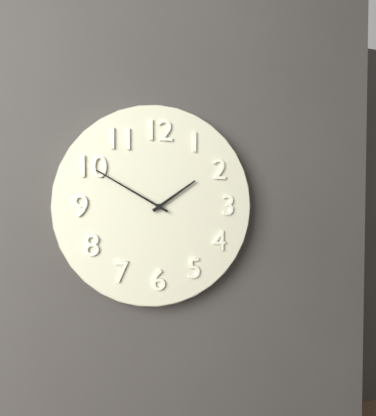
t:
1 h 50 min
